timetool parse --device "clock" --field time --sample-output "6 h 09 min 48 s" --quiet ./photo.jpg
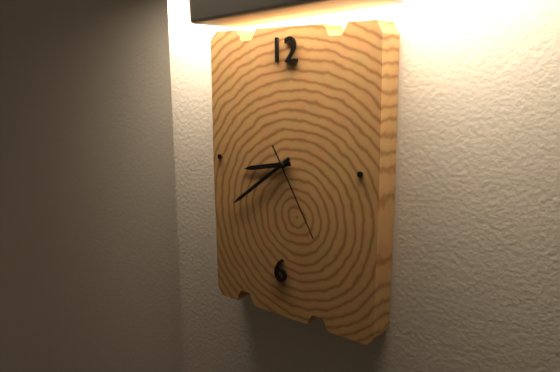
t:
8 h 39 min 25 s
